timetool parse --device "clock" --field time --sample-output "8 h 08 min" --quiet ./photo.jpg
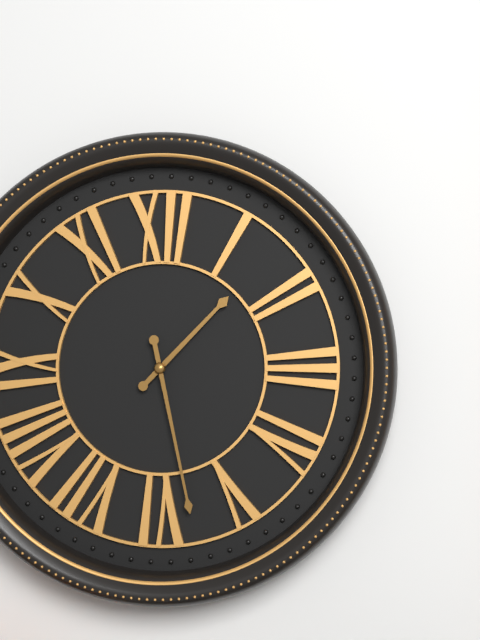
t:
1 h 28 min
